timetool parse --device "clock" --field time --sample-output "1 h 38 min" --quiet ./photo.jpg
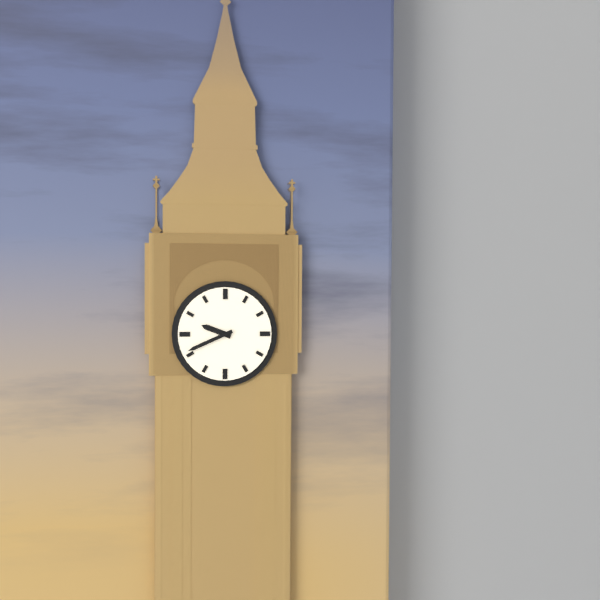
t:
9 h 41 min
